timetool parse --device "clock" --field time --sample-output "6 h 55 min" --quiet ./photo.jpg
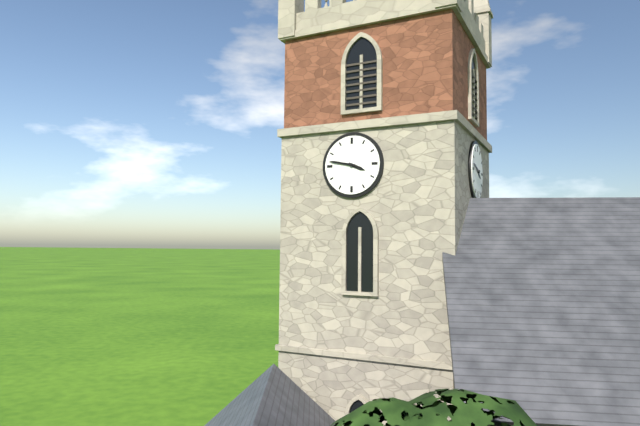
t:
3 h 47 min
